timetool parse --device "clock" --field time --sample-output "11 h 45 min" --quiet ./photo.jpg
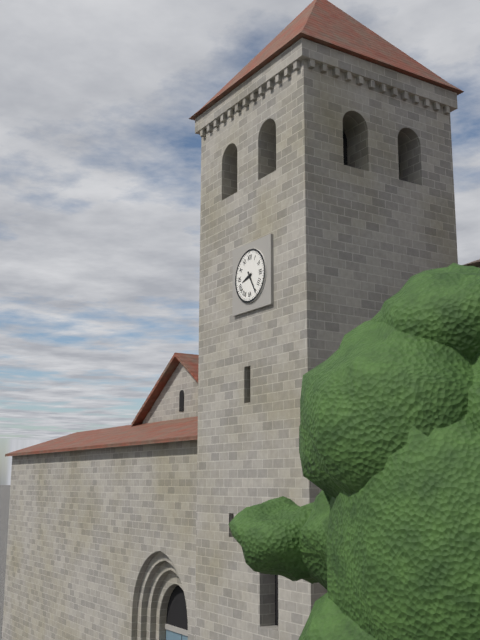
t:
8 h 25 min
